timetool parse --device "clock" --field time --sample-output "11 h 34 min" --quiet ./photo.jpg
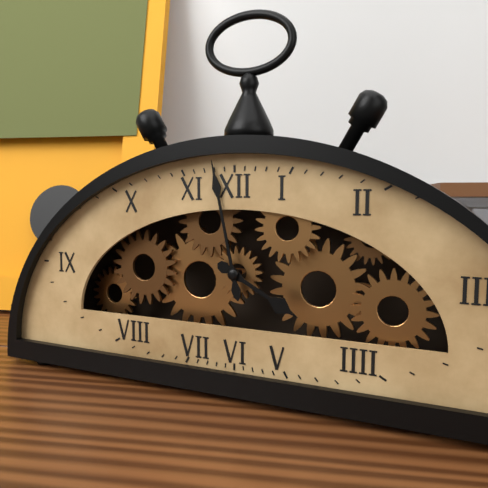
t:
3 h 58 min
